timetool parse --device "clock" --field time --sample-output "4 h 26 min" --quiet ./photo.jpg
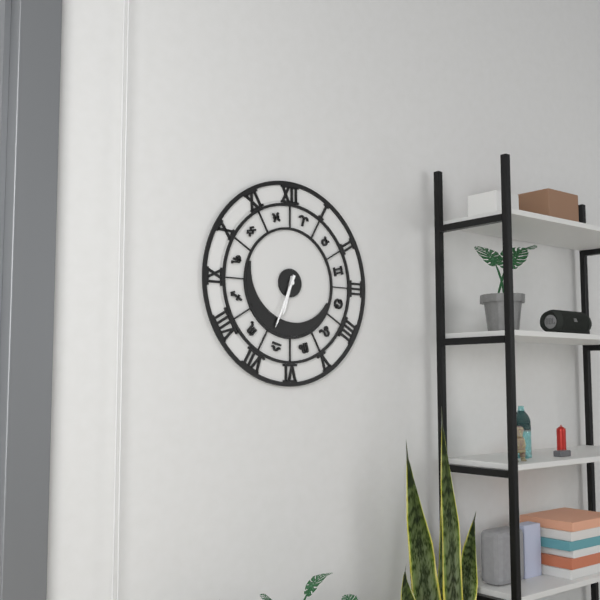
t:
6 h 34 min
